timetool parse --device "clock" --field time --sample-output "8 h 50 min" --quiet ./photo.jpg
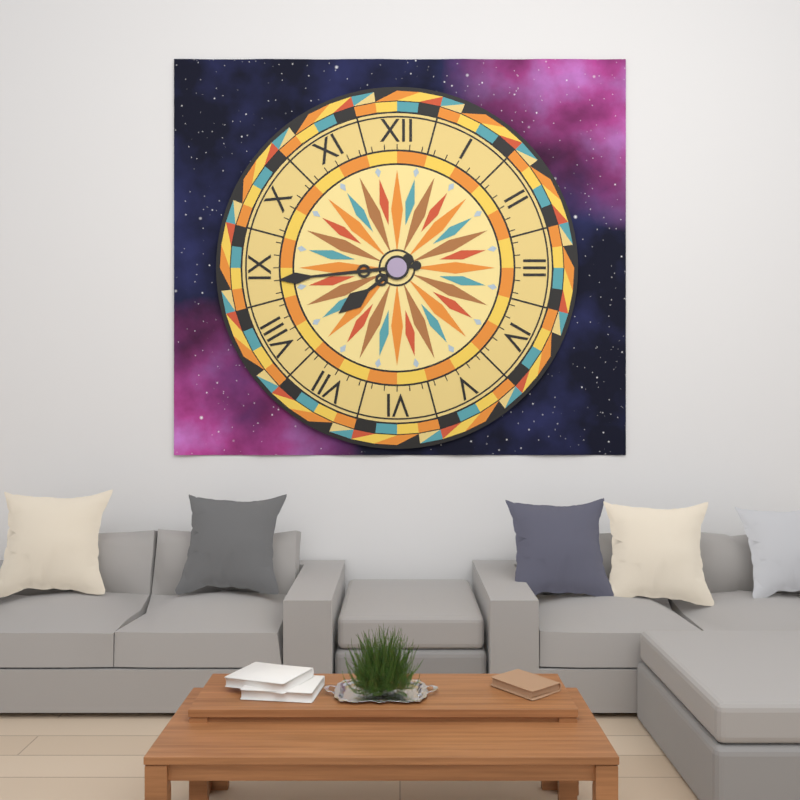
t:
7 h 44 min
